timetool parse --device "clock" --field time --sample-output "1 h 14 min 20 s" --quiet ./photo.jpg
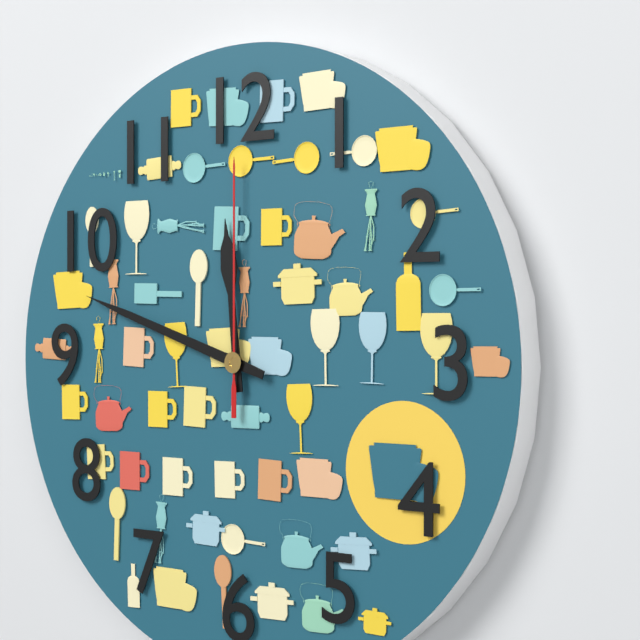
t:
11 h 48 min 00 s
